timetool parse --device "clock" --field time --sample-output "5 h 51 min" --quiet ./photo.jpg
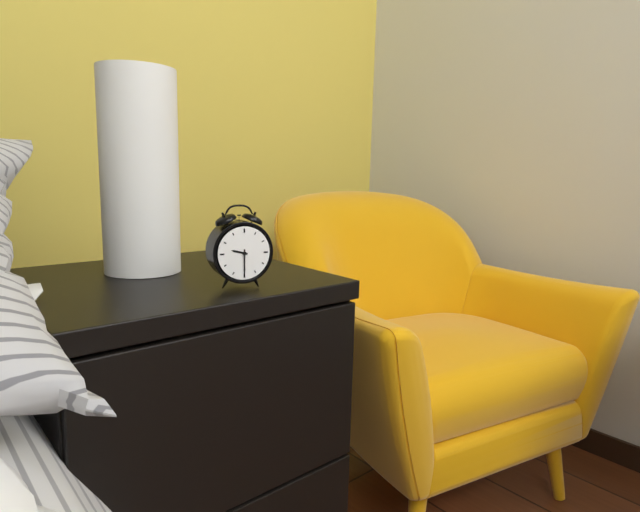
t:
9 h 30 min
